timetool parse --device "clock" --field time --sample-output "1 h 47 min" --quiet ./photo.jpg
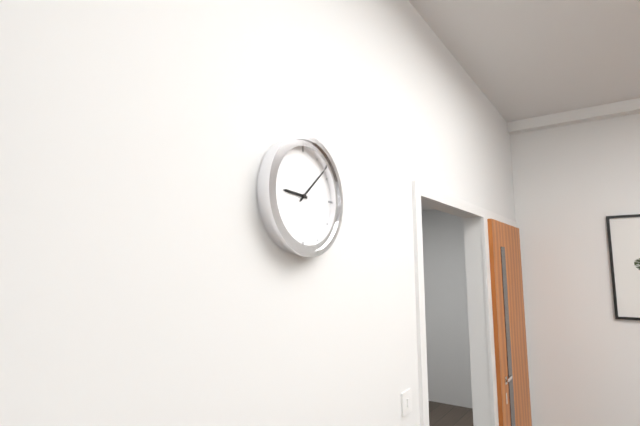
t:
9 h 08 min
